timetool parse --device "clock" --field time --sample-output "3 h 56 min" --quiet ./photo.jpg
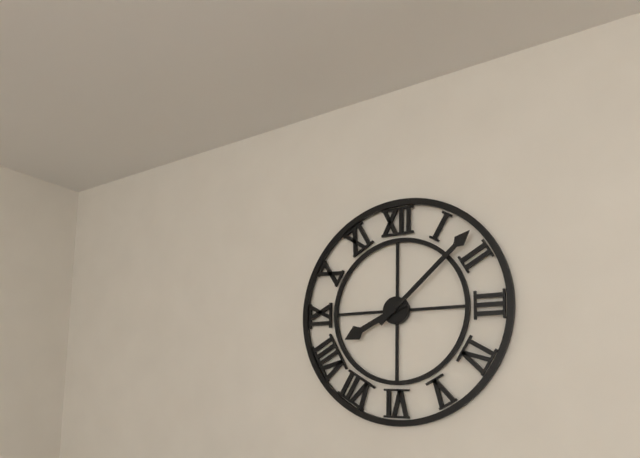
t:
8 h 08 min
